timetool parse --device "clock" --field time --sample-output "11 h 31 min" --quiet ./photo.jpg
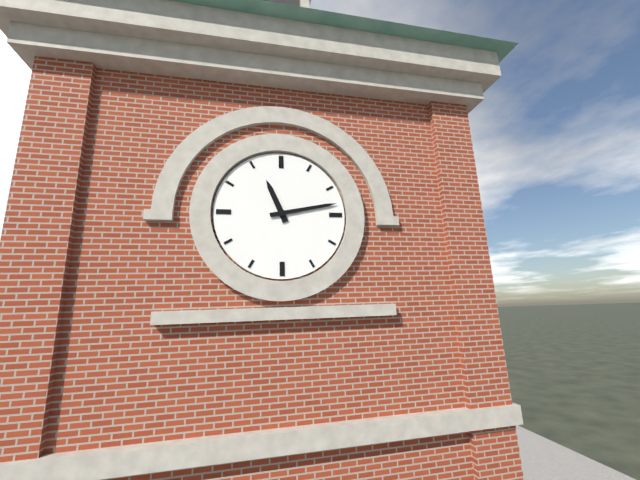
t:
11 h 13 min
